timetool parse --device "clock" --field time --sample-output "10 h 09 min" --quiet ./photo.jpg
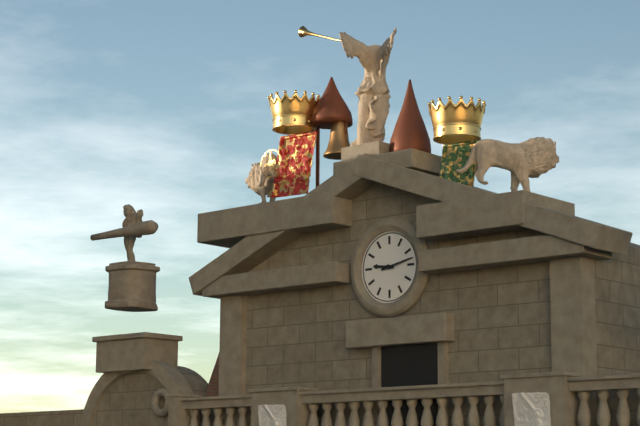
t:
9 h 13 min
